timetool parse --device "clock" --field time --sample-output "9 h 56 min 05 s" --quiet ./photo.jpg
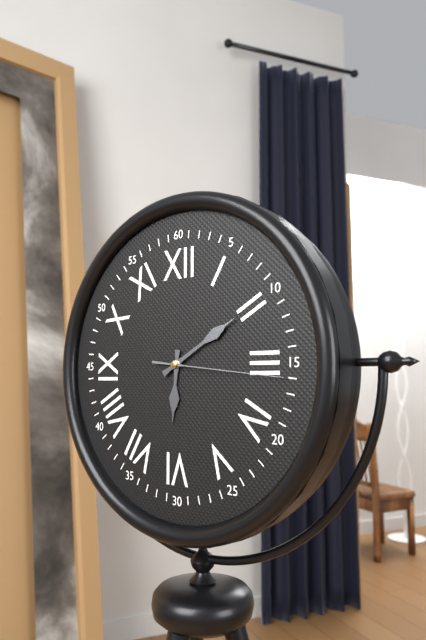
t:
6 h 10 min 16 s
